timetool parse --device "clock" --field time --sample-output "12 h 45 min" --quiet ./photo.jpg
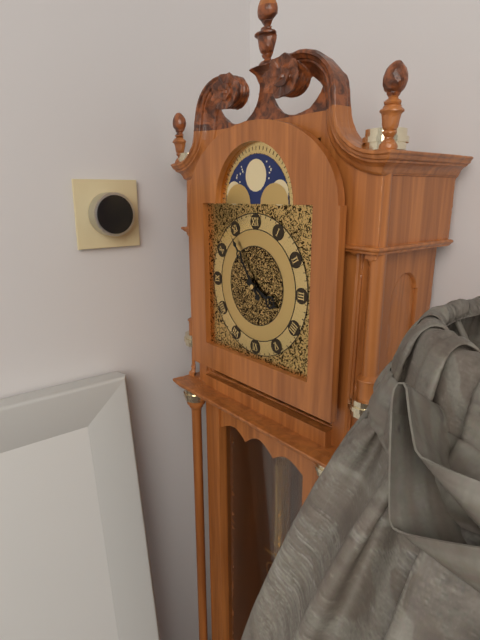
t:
3 h 54 min
